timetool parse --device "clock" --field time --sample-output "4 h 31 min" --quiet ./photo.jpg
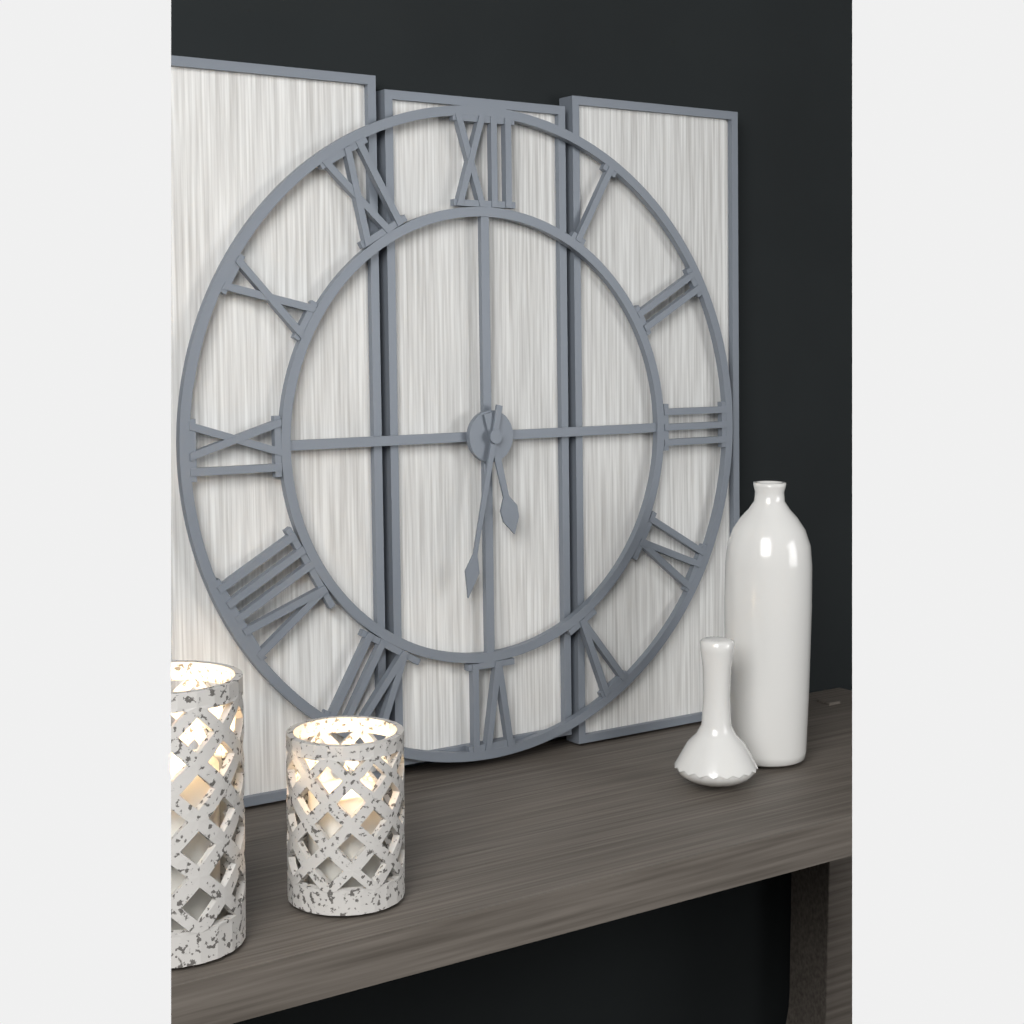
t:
5 h 32 min
